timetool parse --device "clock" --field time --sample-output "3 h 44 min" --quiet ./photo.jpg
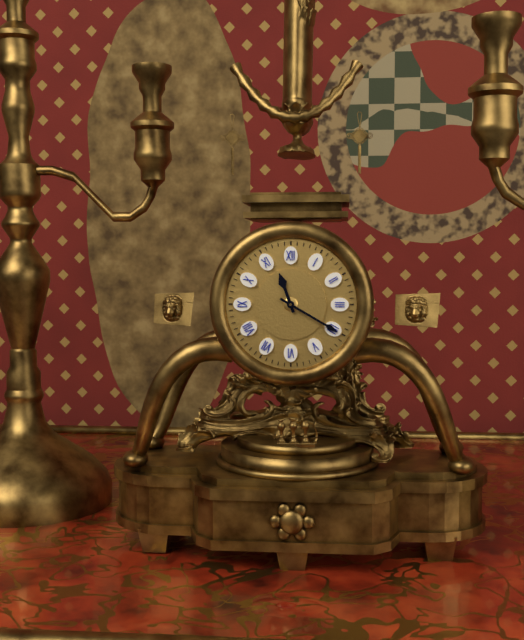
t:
11 h 20 min
